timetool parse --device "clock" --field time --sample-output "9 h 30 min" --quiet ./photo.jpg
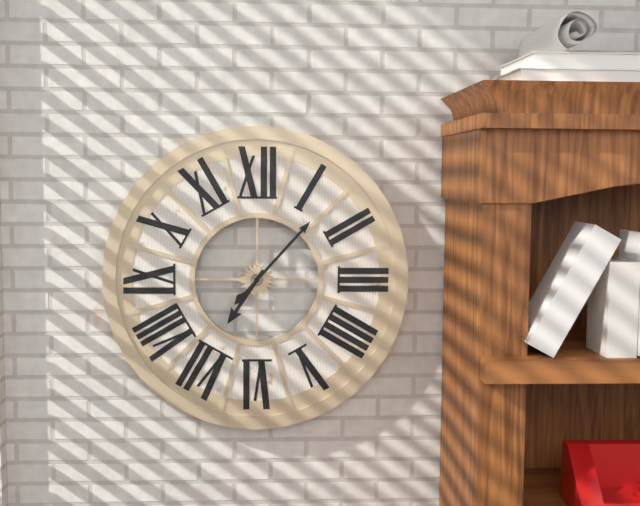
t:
7 h 07 min
